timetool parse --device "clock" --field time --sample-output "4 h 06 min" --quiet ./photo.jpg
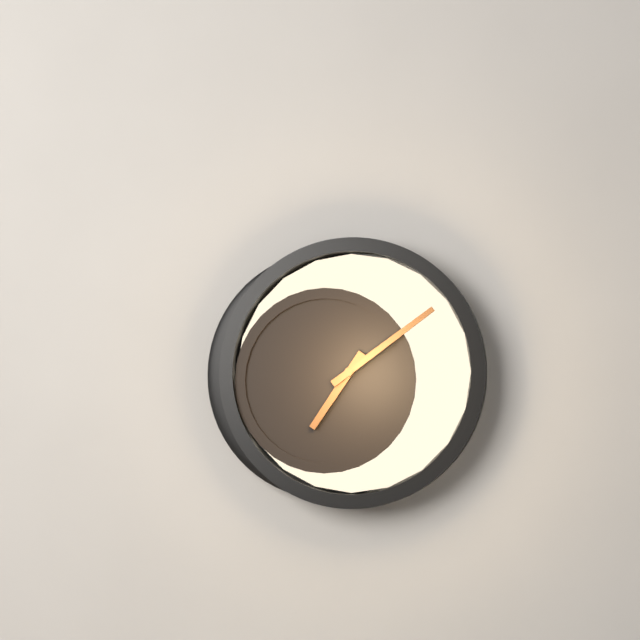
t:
7 h 09 min
